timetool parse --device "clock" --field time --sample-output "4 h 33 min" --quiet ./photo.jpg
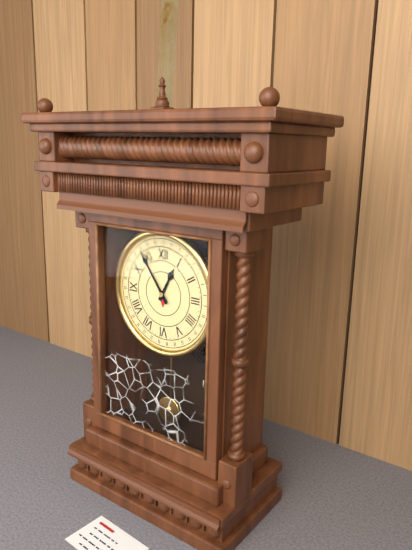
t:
12 h 54 min
